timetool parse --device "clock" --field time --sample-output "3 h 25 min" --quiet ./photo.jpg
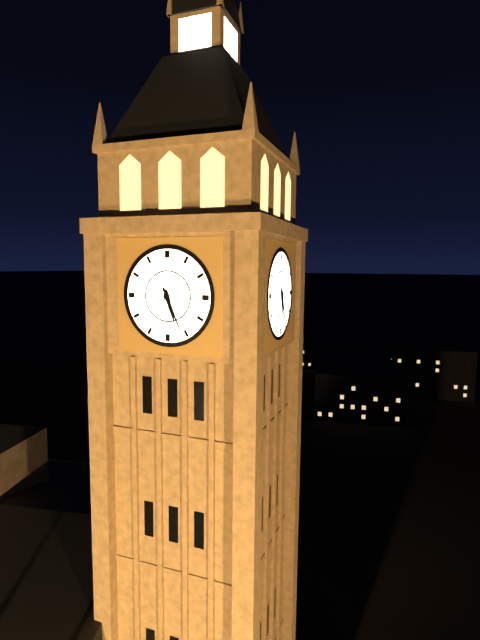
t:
5 h 26 min
